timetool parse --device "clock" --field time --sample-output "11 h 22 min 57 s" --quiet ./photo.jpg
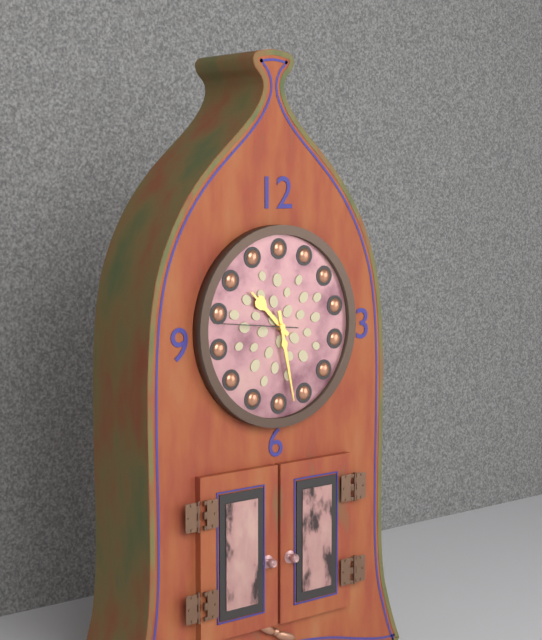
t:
10 h 28 min 46 s
